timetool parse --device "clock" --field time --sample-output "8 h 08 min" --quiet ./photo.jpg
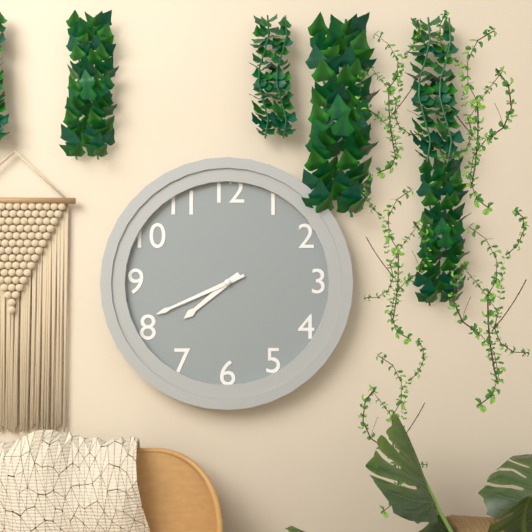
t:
7 h 41 min
